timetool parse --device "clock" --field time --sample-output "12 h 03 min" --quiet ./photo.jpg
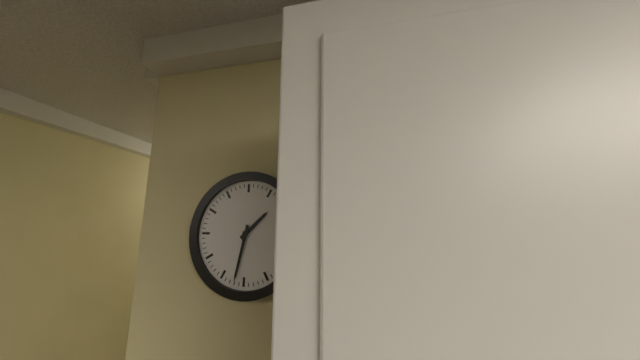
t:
1 h 32 min
